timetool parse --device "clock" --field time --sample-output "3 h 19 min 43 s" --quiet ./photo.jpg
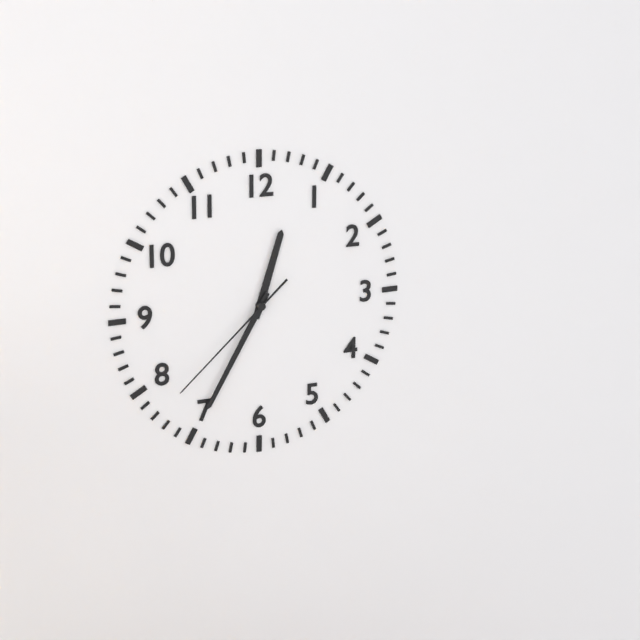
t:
12 h 35 min 38 s
